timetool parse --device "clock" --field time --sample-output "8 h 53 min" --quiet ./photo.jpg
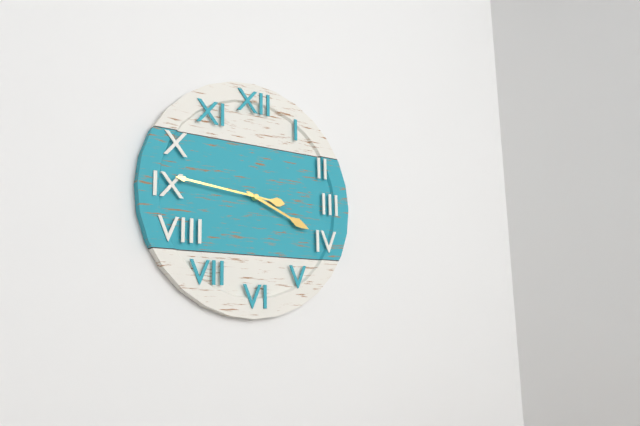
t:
3 h 46 min
